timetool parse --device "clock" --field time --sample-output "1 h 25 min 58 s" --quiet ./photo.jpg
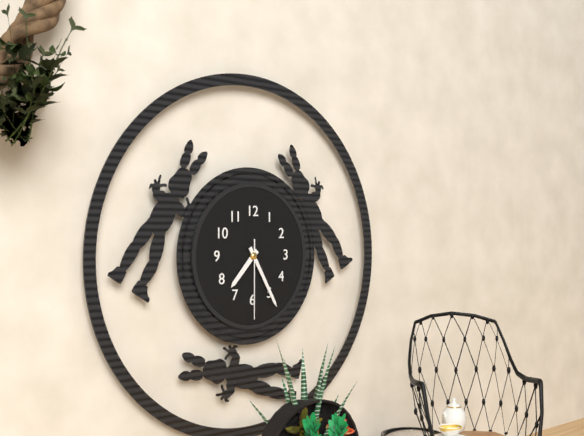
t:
7 h 25 min 30 s
